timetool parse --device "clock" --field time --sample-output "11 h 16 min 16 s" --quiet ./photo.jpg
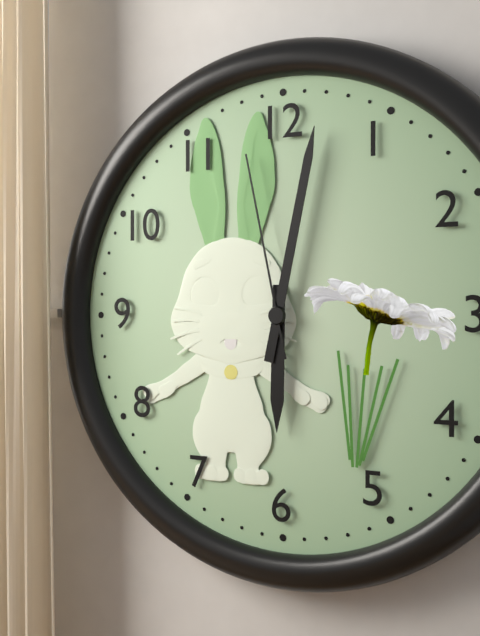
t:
6 h 02 min 58 s
